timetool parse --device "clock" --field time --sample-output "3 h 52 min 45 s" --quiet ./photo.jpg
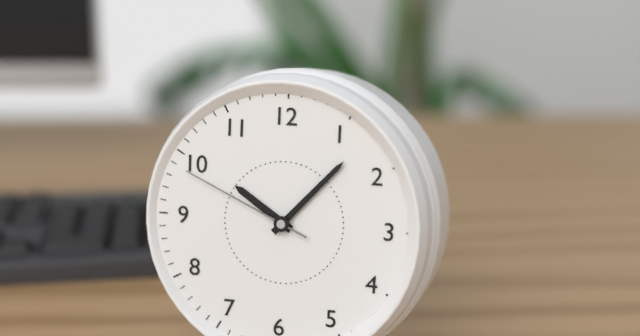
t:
10 h 07 min 49 s
